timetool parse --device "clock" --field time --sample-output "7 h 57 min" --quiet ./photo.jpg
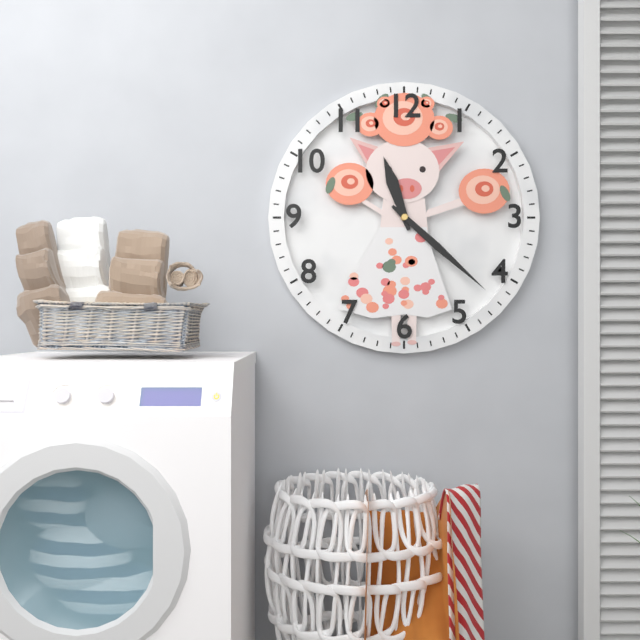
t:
11 h 22 min
